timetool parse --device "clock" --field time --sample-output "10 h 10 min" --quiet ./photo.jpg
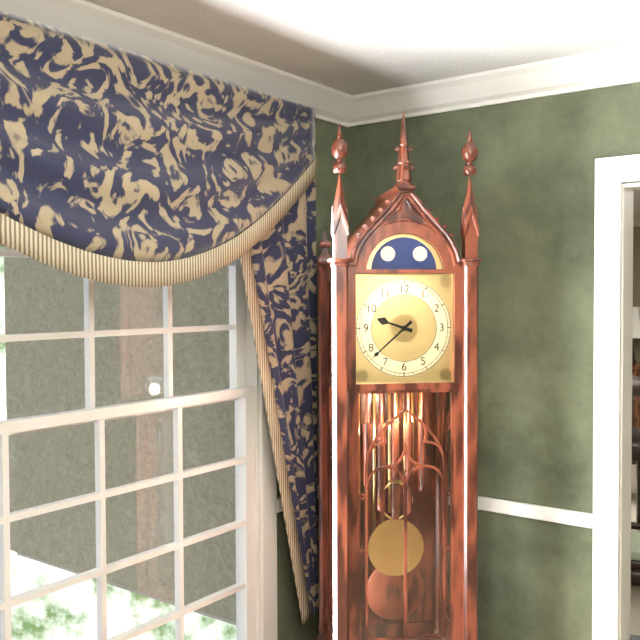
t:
9 h 38 min
